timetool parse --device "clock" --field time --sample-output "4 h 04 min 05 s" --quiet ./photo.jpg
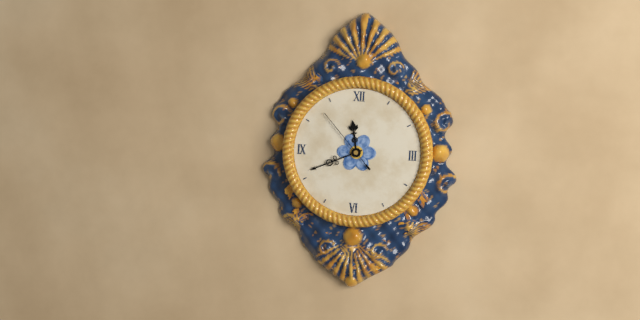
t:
11 h 41 min 53 s
